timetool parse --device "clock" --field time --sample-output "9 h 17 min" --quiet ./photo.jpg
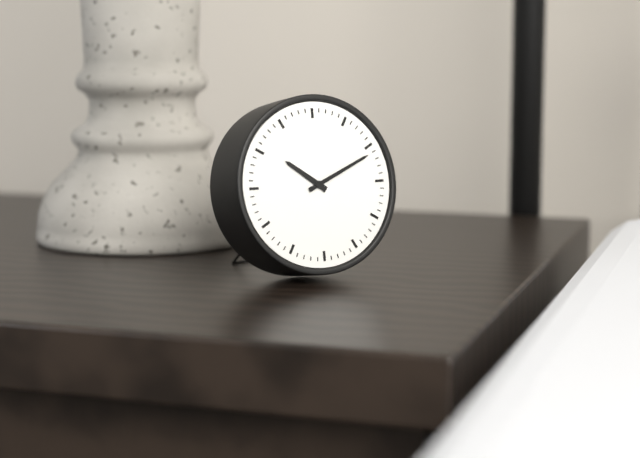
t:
10 h 11 min
